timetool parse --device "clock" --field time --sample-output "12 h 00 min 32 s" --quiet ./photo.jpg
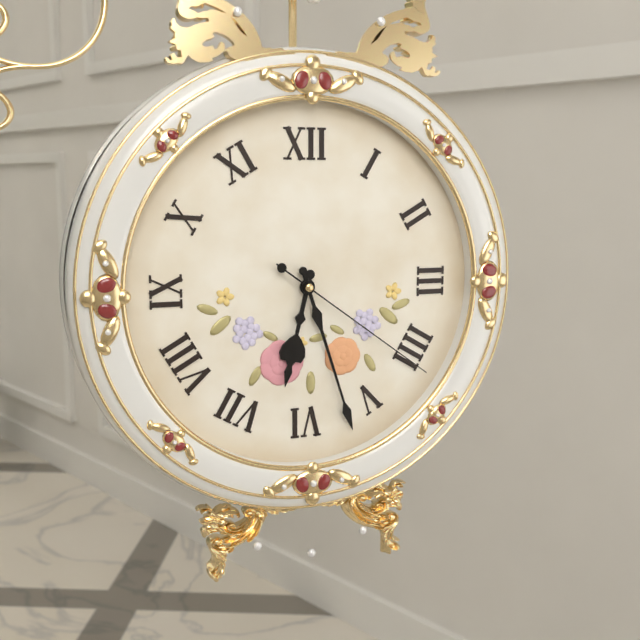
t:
6 h 27 min 21 s
